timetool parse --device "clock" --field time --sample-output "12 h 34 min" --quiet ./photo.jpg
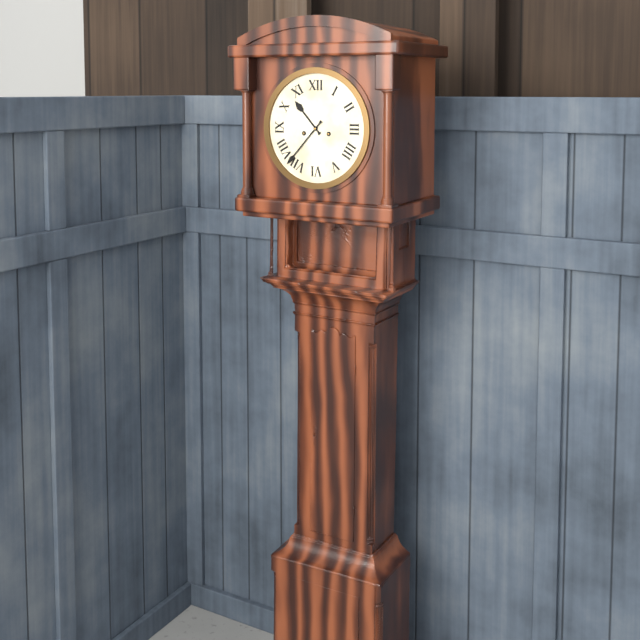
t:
10 h 37 min
